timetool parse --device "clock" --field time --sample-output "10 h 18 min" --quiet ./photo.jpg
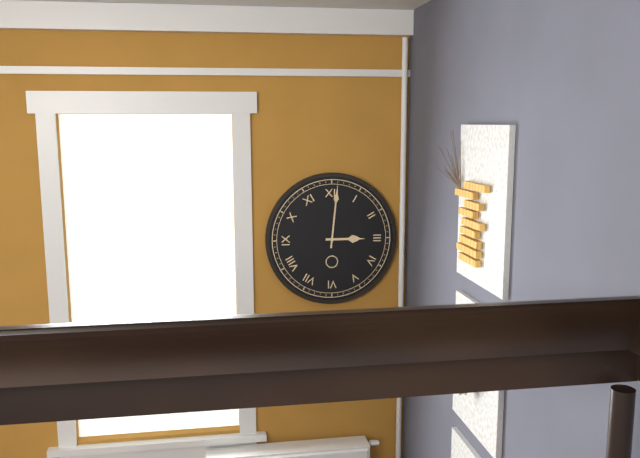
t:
3 h 01 min
